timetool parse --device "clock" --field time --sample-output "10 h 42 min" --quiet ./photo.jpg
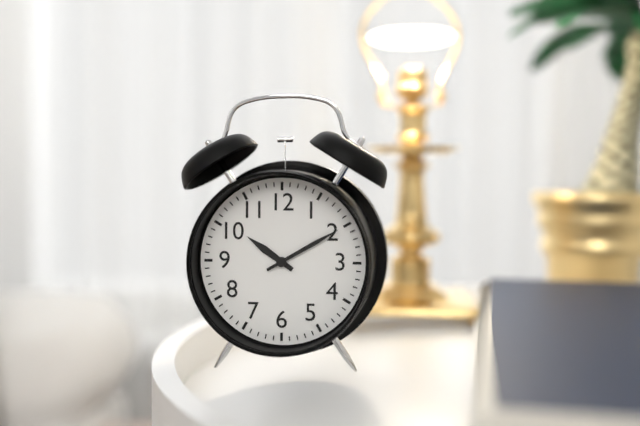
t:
10 h 10 min
